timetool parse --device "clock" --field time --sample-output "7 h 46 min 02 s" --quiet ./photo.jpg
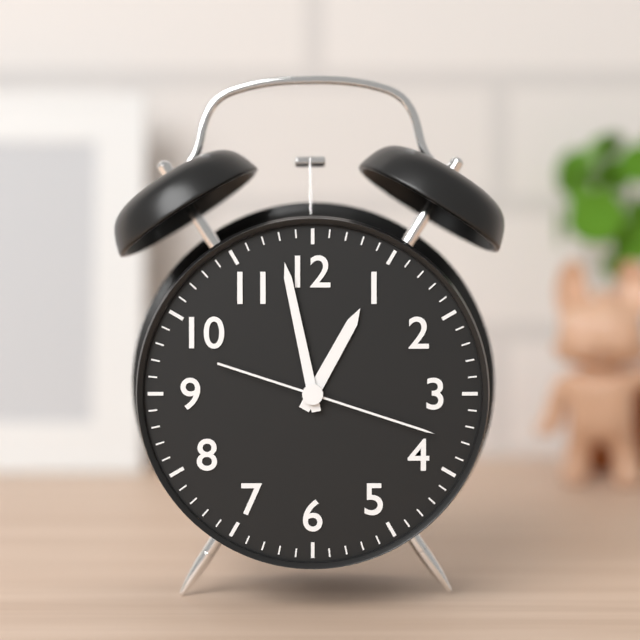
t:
12 h 58 min 18 s
